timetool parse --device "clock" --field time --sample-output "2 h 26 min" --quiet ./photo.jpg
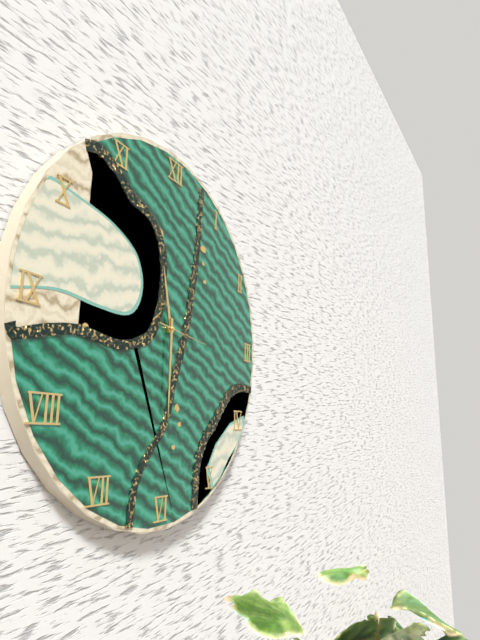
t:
11 h 30 min
